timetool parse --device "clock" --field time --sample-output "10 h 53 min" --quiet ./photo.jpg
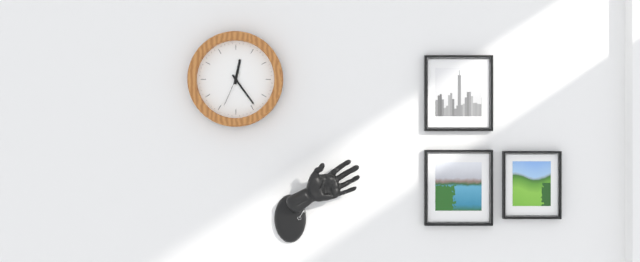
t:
12 h 24 min
